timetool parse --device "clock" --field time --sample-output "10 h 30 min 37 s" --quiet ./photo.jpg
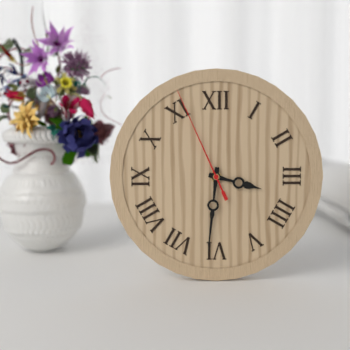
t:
3 h 31 min 56 s
